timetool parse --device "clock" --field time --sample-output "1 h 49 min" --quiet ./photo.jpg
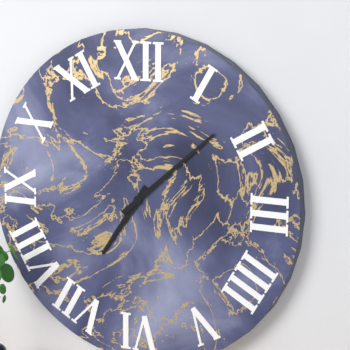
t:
7 h 08 min
